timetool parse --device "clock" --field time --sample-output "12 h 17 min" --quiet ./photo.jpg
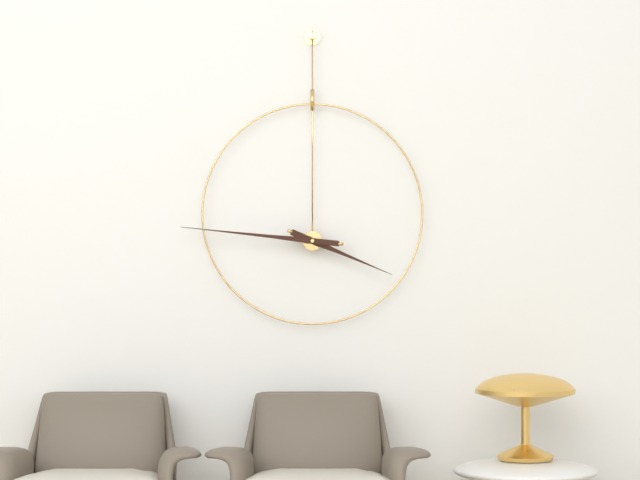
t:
3 h 46 min
